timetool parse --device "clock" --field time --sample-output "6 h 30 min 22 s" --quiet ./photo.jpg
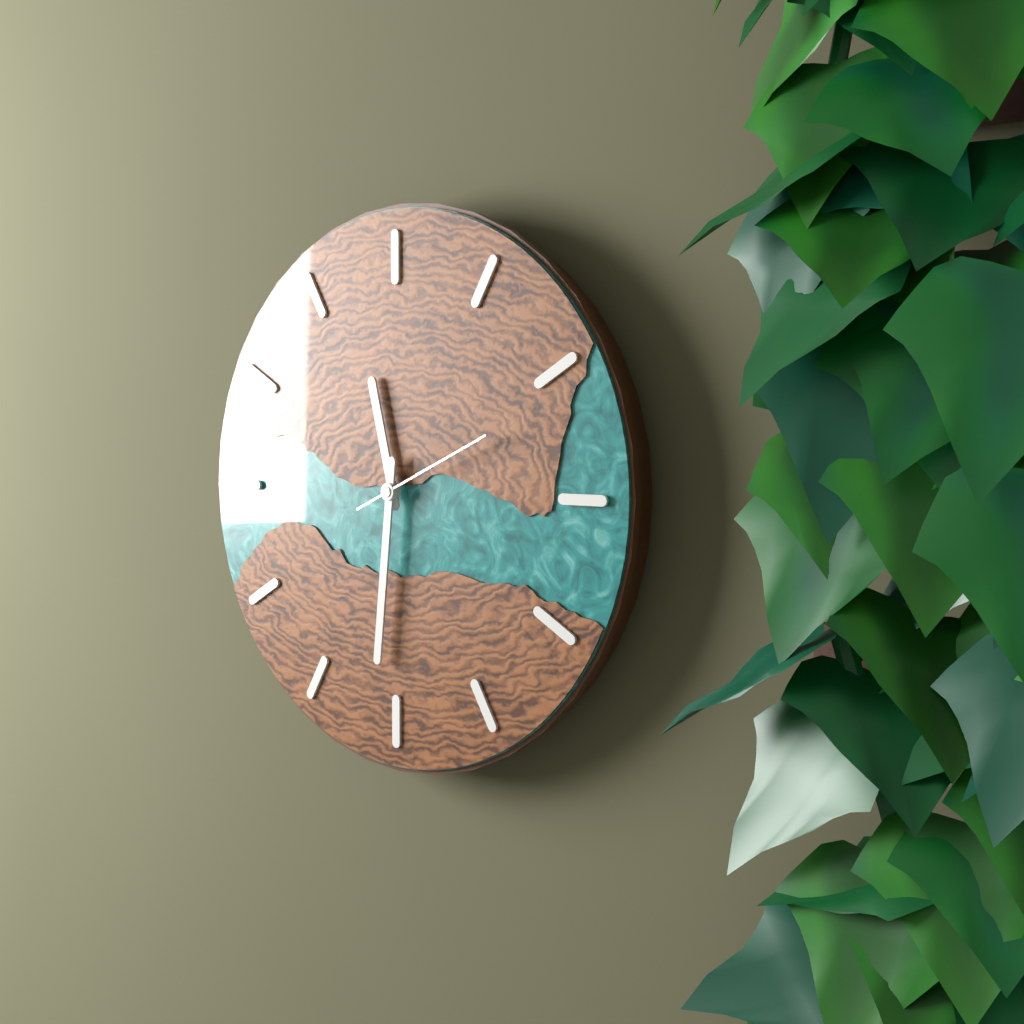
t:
11 h 31 min 11 s
